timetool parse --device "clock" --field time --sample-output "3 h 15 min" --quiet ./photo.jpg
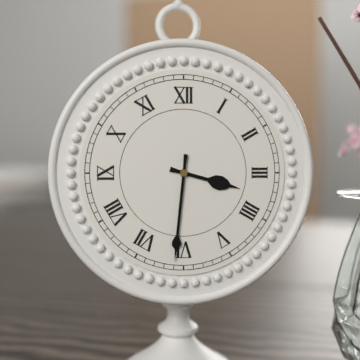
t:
3 h 31 min
